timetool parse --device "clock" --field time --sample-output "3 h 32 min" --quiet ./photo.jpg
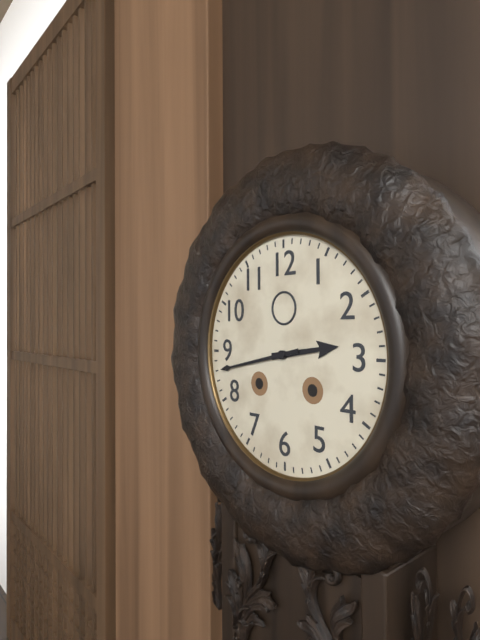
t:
2 h 43 min
